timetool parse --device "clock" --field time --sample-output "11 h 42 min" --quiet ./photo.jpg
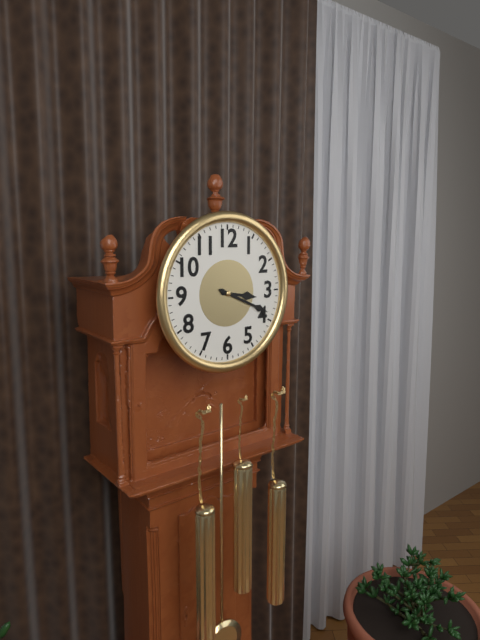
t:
3 h 19 min
